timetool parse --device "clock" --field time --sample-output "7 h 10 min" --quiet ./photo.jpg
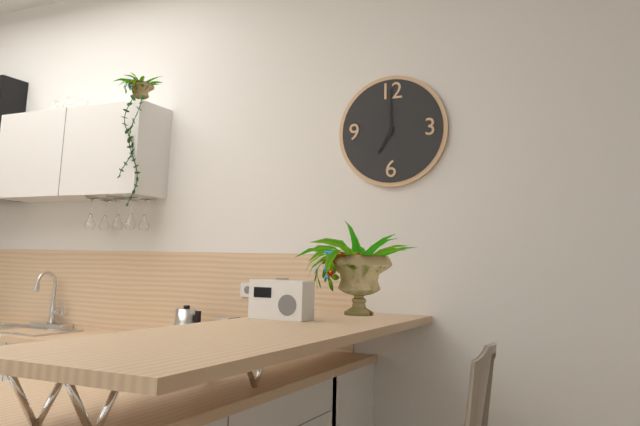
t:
7 h 00 min
